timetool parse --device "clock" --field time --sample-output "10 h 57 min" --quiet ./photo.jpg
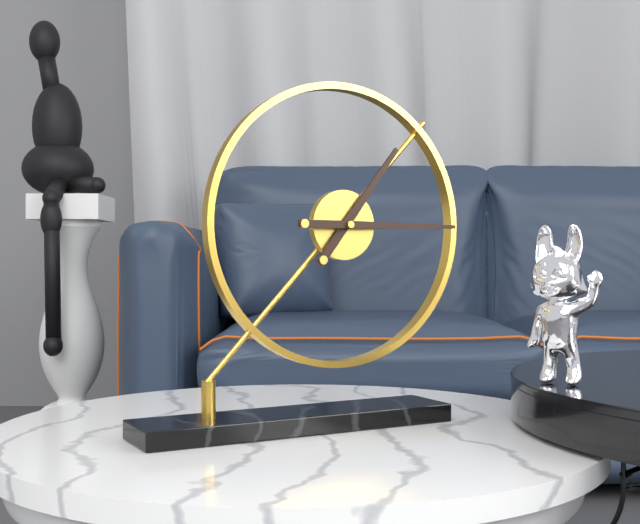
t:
1 h 15 min
